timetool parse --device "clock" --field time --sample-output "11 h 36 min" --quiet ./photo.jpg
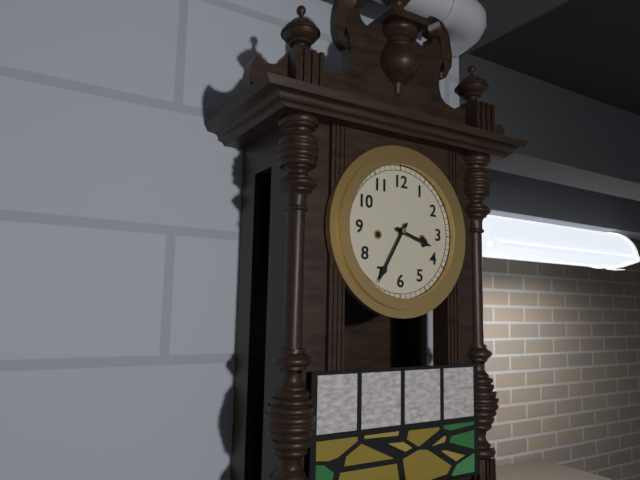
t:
3 h 35 min
